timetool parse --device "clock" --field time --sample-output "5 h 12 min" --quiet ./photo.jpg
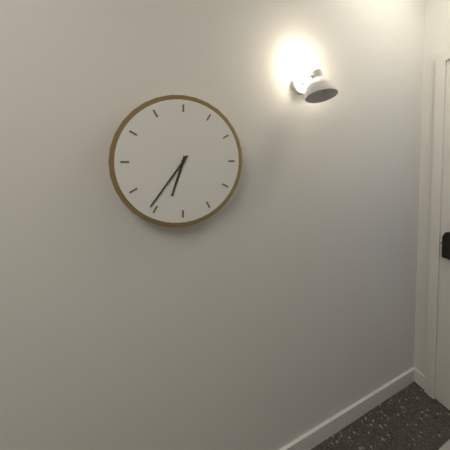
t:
6 h 36 min
